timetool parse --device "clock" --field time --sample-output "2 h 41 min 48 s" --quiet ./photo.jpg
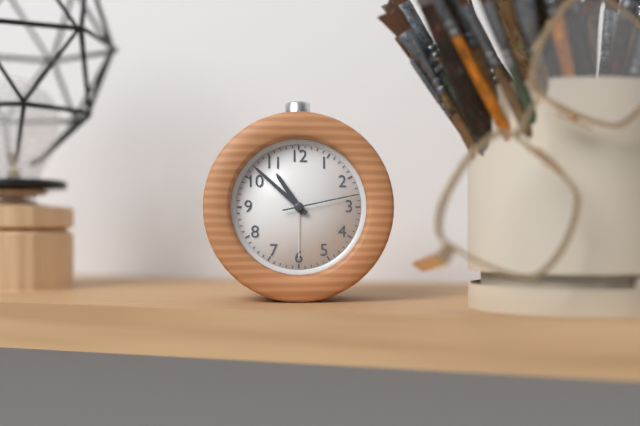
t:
10 h 52 min 13 s
